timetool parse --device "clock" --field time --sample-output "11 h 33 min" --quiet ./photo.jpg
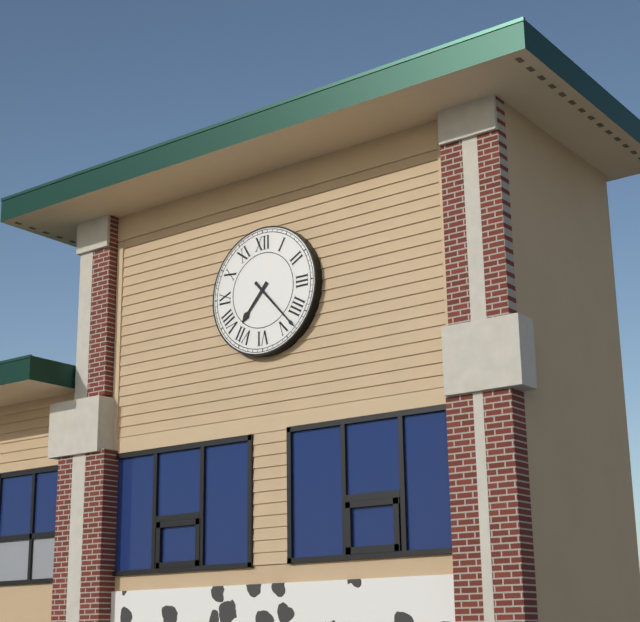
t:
7 h 23 min
